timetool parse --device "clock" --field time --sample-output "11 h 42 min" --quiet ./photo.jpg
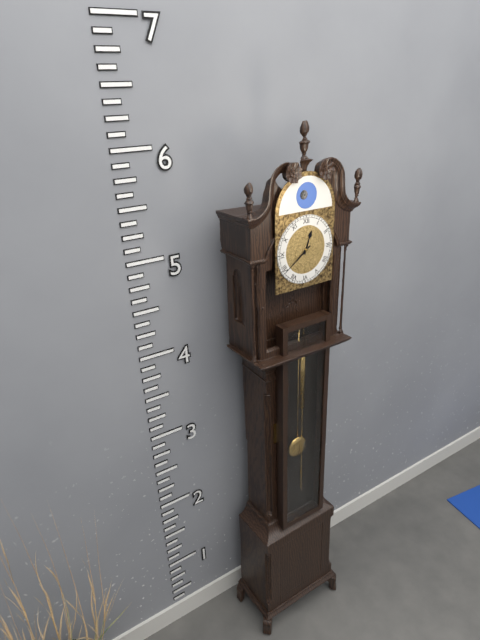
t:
12 h 39 min
